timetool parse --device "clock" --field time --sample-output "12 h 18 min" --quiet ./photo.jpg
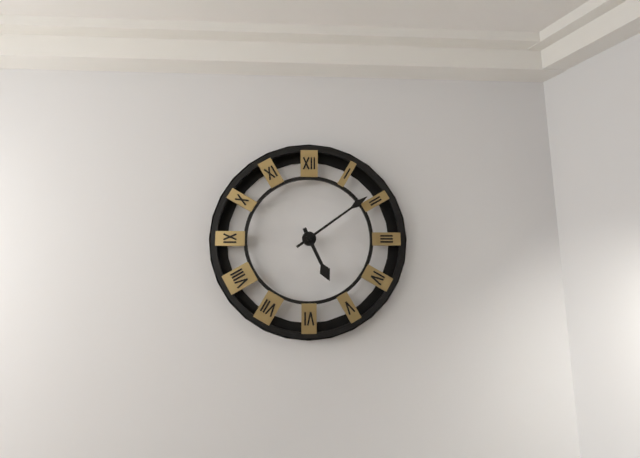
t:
5 h 09 min
